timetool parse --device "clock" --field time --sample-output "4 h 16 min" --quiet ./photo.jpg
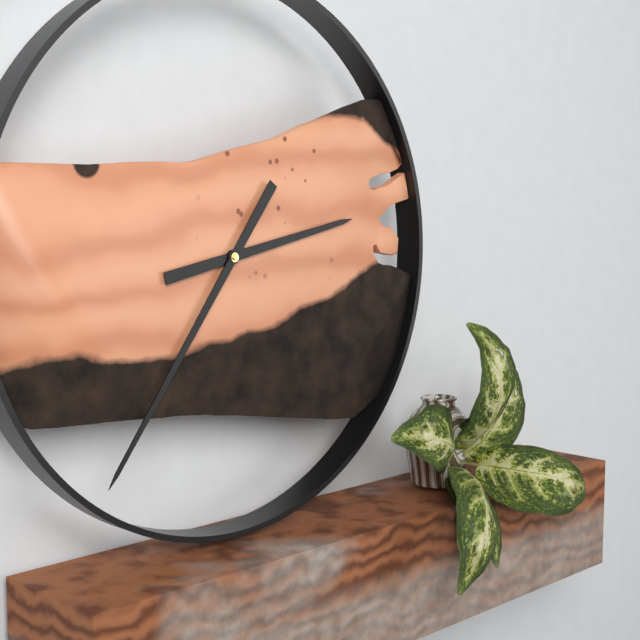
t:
2 h 36 min
